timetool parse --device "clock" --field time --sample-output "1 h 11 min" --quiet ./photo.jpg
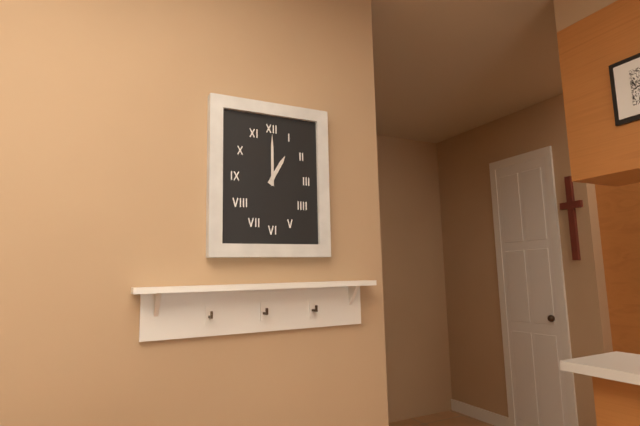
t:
1 h 00 min
